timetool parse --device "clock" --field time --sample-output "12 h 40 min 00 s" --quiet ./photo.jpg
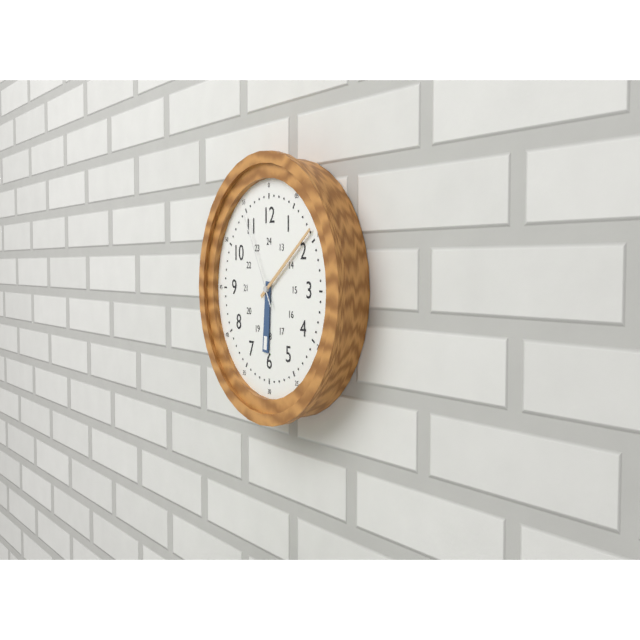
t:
6 h 09 min 55 s
